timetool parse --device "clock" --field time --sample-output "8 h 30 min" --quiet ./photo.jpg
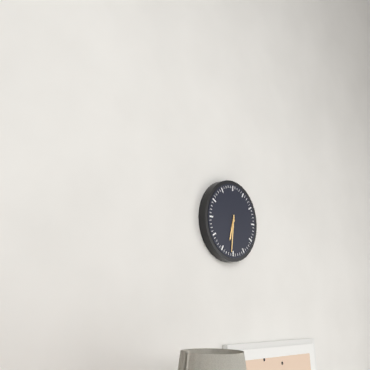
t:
6 h 31 min
